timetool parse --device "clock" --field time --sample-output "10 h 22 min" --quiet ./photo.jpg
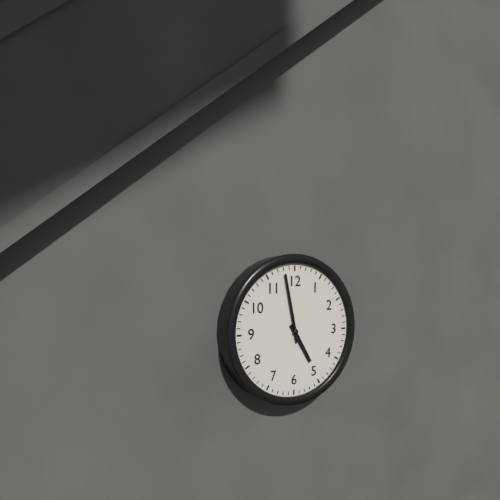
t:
4 h 58 min
